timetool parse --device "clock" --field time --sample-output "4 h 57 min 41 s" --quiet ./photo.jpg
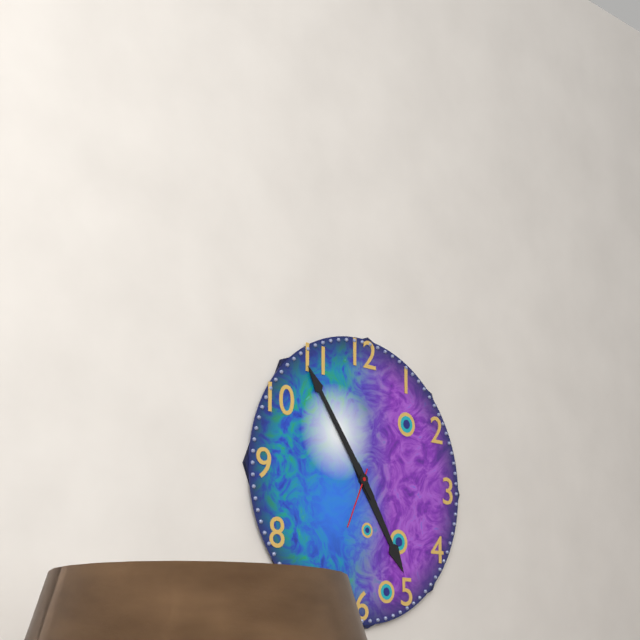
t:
4 h 54 min 34 s
